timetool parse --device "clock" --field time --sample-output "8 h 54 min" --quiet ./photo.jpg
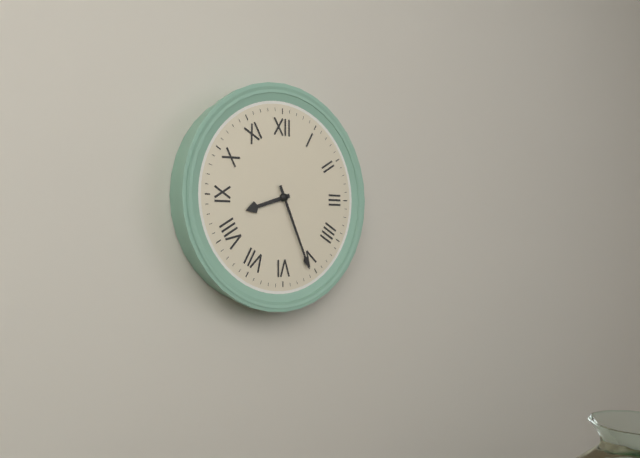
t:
8 h 26 min
